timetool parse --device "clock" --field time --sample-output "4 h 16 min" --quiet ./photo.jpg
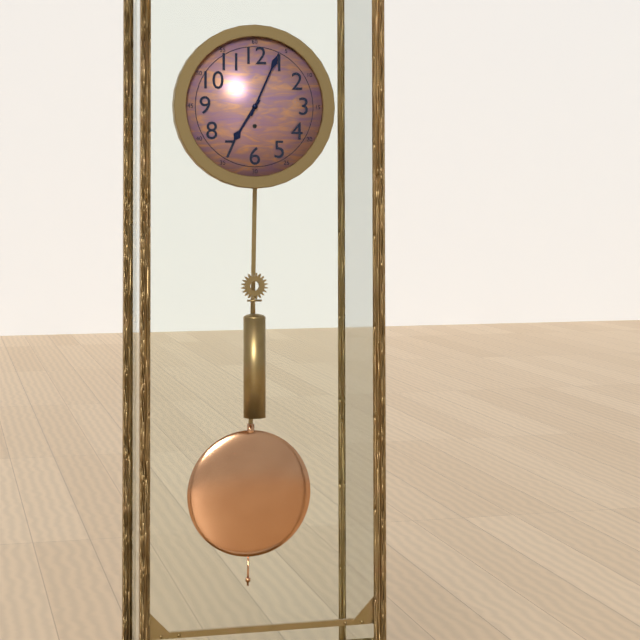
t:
7 h 04 min
